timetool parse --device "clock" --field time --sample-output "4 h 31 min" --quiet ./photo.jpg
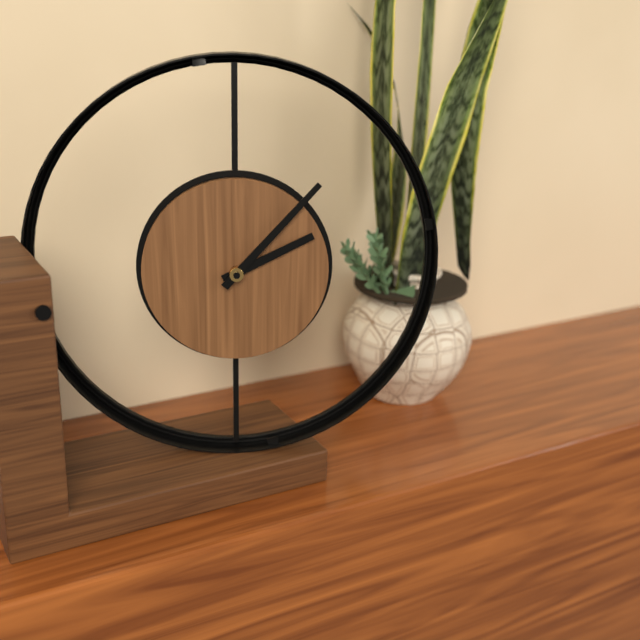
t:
2 h 07 min
